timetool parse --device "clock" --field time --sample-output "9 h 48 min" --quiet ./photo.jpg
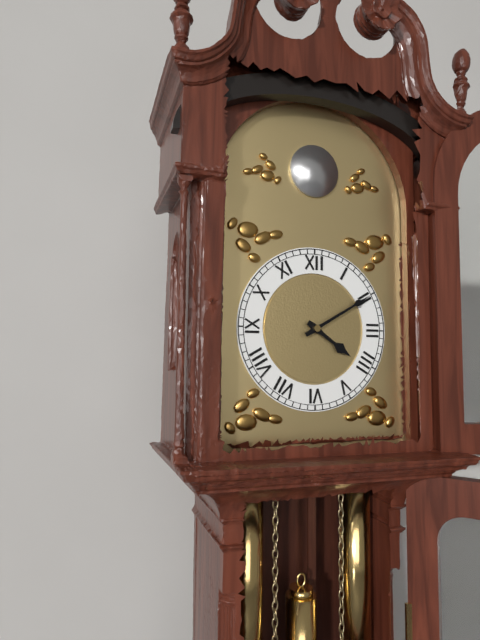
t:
4 h 10 min
